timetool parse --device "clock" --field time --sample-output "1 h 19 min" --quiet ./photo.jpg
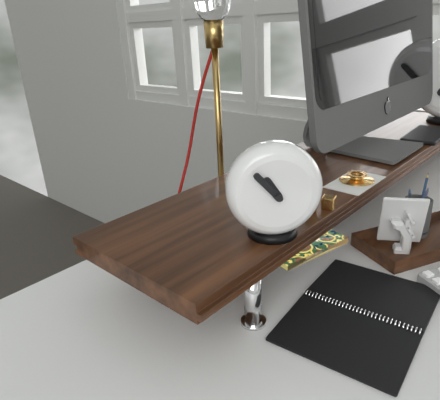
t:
10 h 53 min
